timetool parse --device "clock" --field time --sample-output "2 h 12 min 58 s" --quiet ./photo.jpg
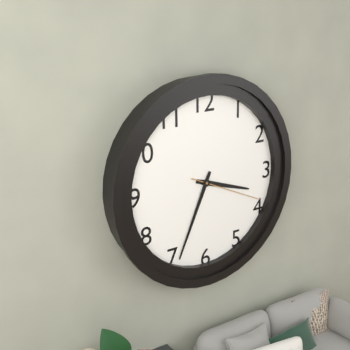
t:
3 h 34 min 19 s
